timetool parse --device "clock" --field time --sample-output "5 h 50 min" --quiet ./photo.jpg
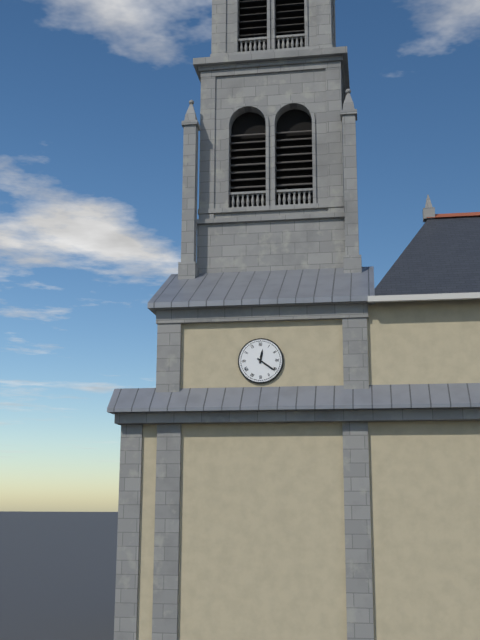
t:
12 h 21 min
